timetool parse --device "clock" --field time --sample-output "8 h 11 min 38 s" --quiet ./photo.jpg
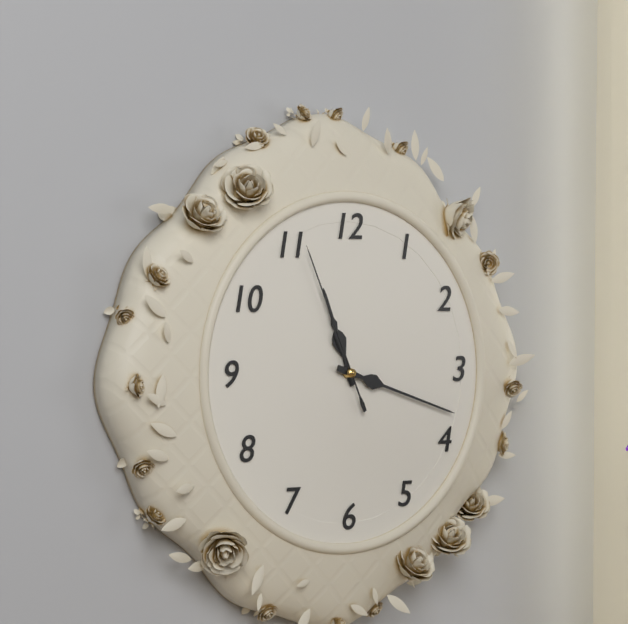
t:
11 h 18 min 56 s
